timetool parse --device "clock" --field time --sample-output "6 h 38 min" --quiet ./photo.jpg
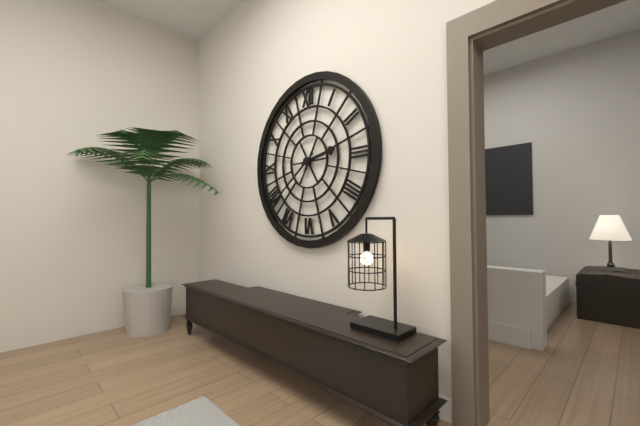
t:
2 h 39 min
